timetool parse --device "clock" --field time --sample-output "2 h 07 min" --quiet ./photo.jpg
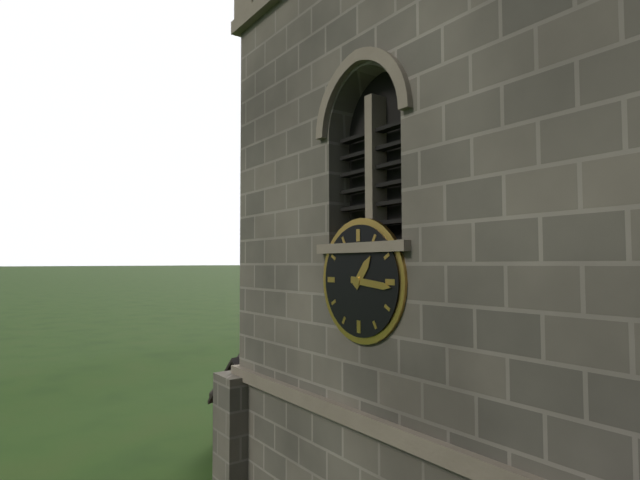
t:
1 h 16 min
